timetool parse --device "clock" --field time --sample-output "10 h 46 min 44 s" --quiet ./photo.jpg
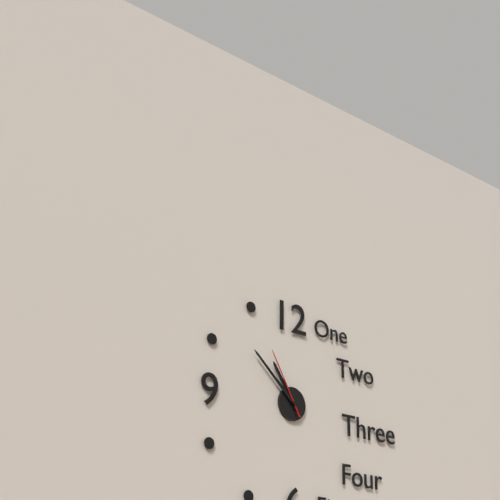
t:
10 h 52 min 55 s
